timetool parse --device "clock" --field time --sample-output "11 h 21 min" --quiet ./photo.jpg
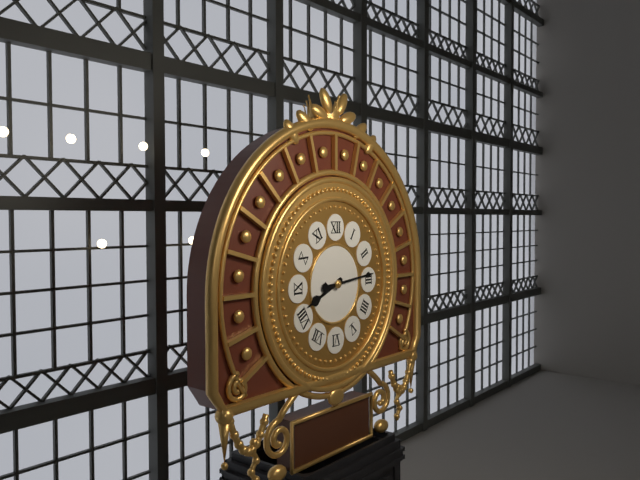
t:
8 h 14 min
